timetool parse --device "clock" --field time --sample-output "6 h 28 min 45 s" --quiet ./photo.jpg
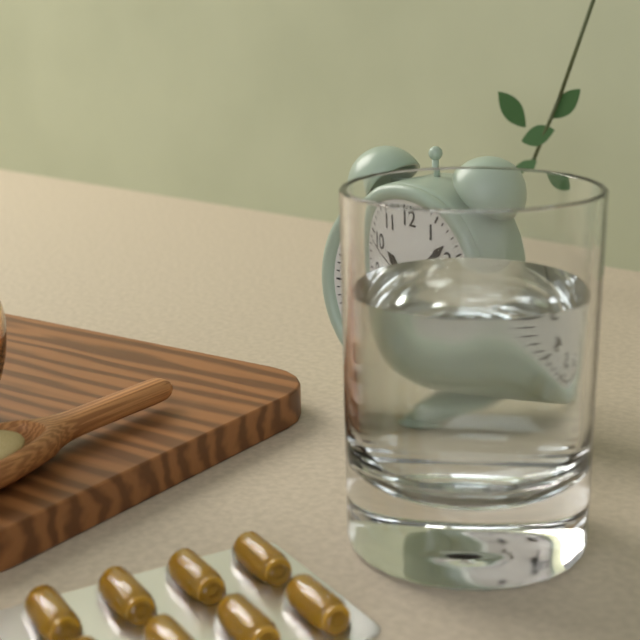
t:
10 h 08 min 49 s
